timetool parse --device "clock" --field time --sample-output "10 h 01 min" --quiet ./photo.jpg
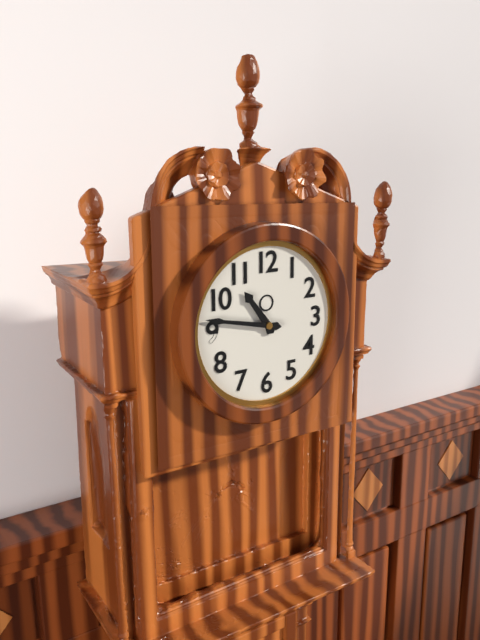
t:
10 h 47 min
